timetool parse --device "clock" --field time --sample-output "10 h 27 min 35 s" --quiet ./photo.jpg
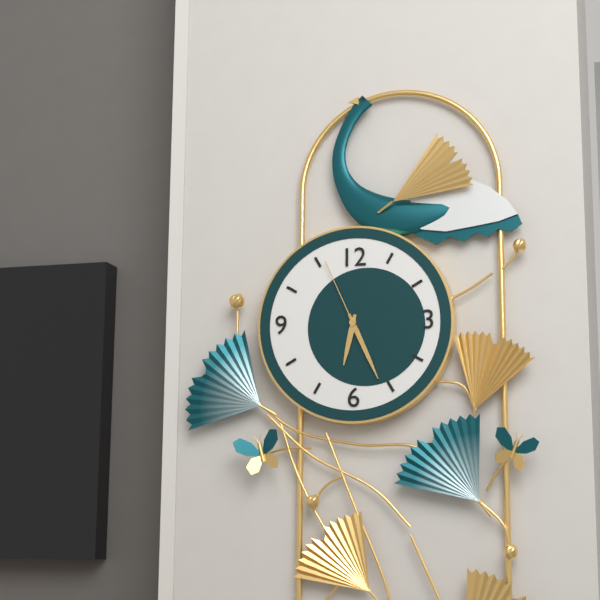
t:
6 h 26 min 56 s
